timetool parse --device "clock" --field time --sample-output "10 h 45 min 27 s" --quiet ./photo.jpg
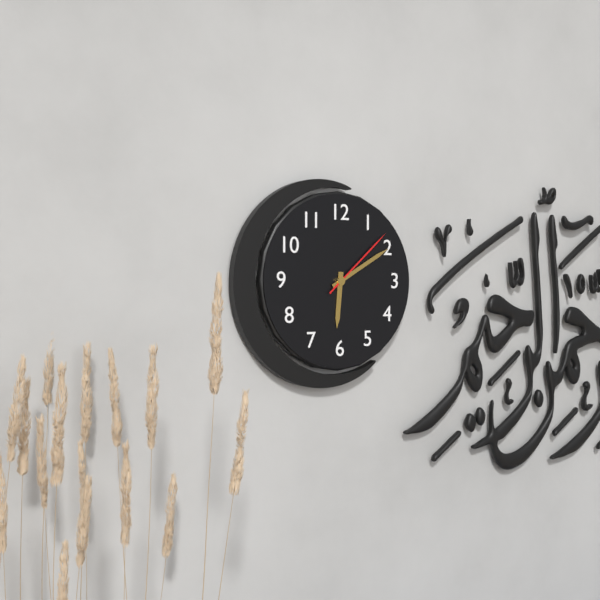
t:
6 h 10 min 08 s
